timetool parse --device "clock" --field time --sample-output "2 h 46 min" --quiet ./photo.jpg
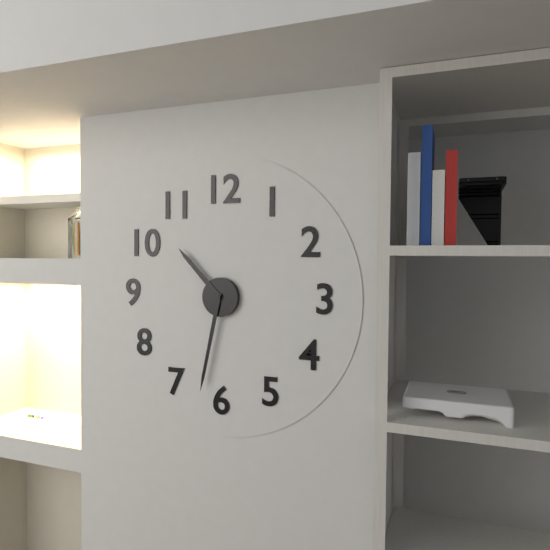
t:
10 h 32 min
